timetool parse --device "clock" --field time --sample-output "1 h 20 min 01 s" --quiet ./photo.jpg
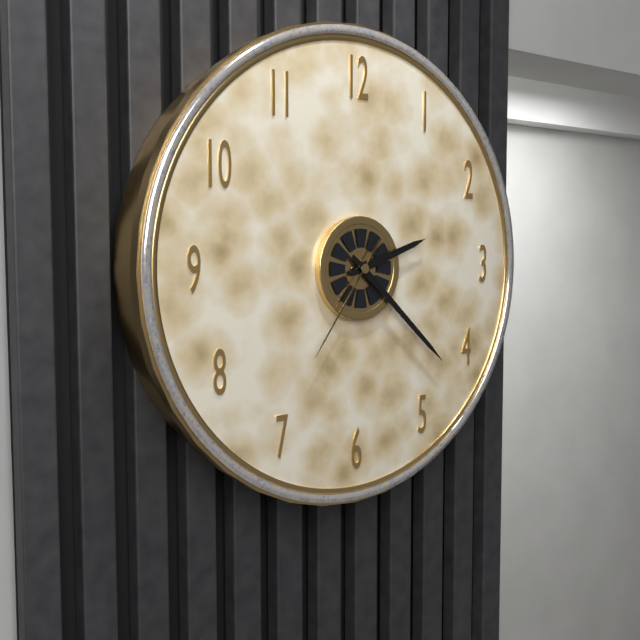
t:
2 h 22 min 36 s
